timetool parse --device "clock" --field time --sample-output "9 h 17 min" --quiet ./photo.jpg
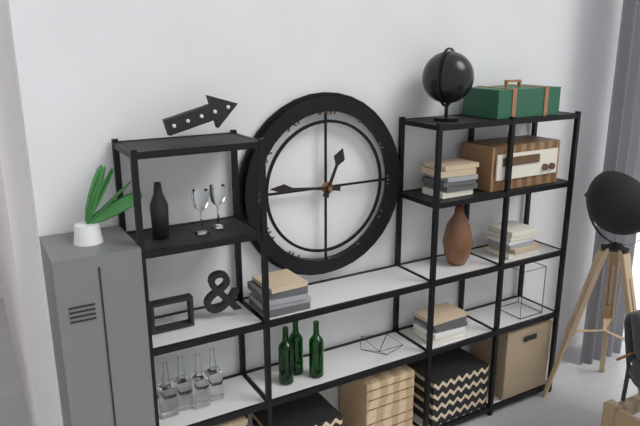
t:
12 h 46 min
